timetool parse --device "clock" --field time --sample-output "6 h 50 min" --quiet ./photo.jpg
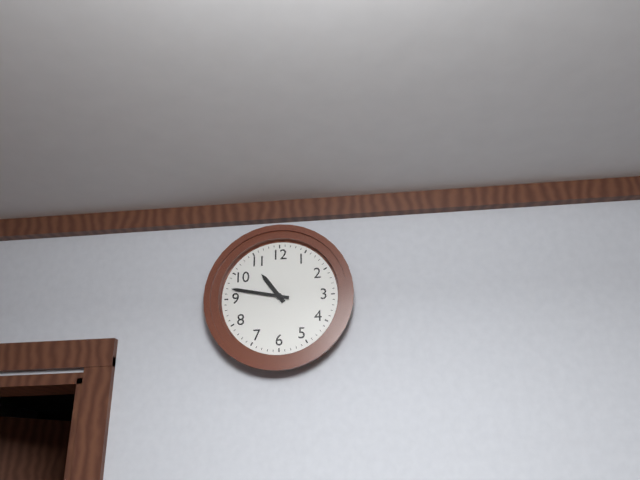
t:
10 h 47 min
